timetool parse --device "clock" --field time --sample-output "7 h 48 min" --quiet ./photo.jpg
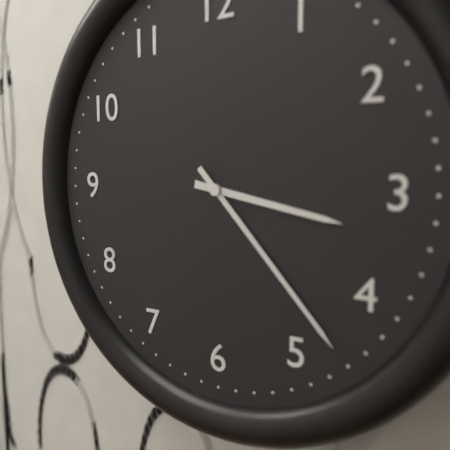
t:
3 h 23 min
